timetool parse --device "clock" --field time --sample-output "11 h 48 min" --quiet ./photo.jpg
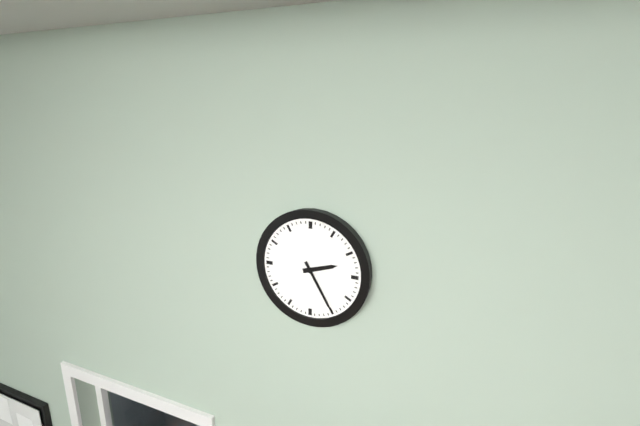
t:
2 h 25 min
